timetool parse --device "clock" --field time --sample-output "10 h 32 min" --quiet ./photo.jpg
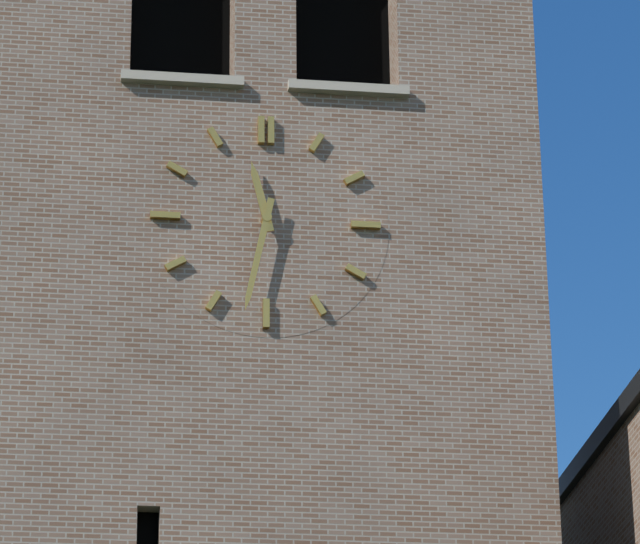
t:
11 h 32 min
